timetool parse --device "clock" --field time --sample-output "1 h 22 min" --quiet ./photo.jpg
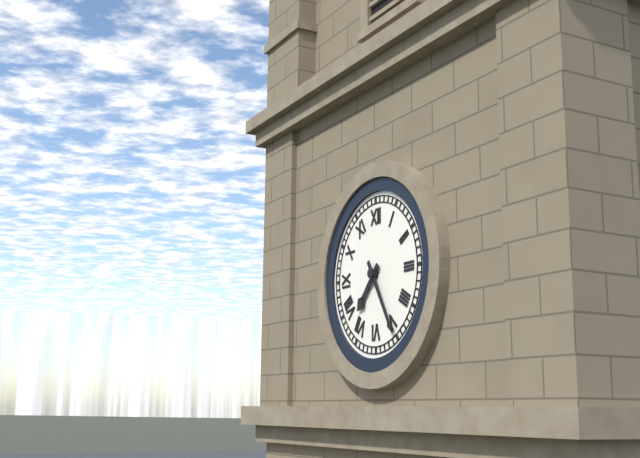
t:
7 h 25 min
